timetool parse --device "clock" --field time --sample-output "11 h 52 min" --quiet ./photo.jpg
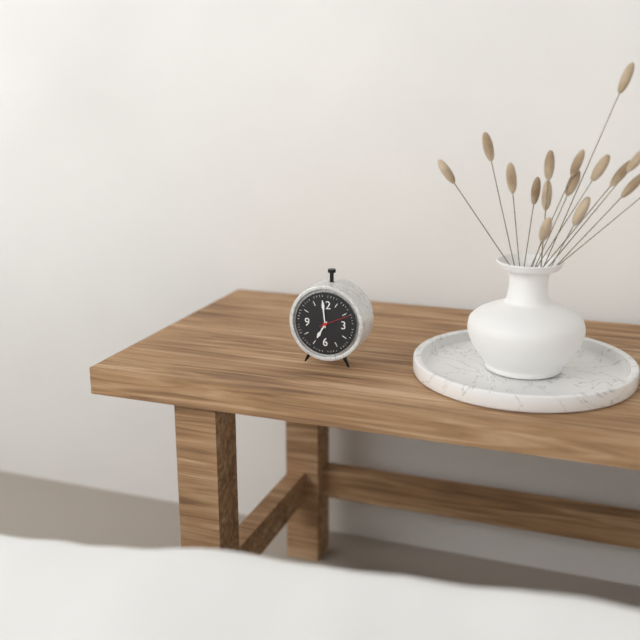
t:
6 h 59 min
